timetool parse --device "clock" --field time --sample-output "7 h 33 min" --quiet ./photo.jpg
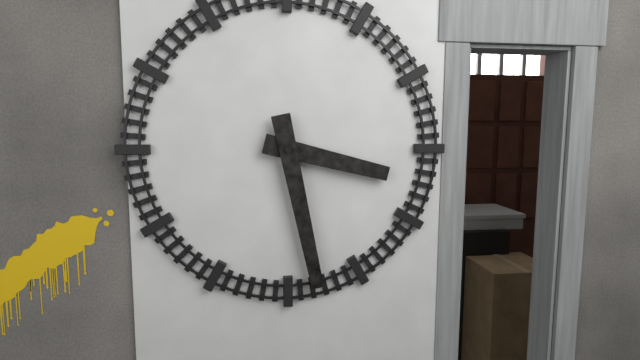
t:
3 h 28 min
